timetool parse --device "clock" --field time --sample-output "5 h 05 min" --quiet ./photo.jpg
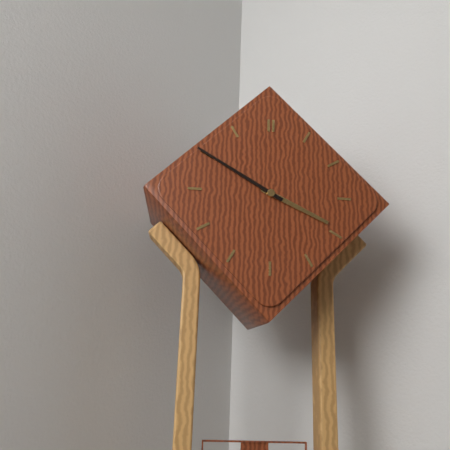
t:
3 h 50 min
